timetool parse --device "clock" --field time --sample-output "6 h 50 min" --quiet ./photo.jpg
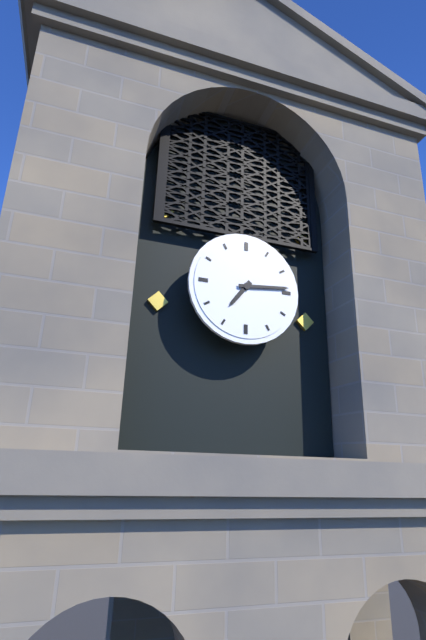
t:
7 h 14 min
